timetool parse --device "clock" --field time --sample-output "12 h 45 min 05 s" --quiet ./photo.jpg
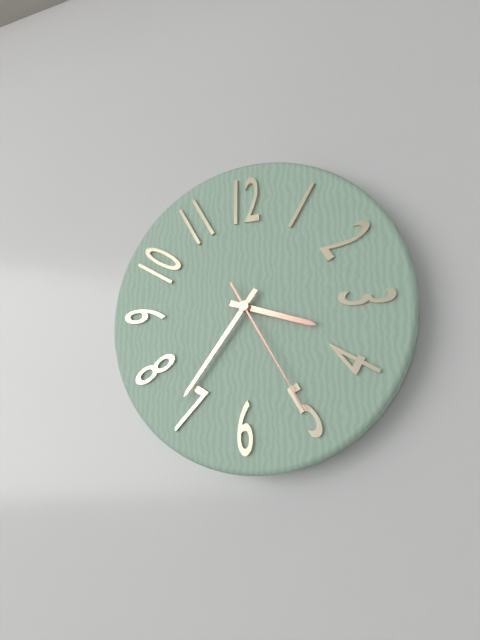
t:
3 h 36 min 25 s
